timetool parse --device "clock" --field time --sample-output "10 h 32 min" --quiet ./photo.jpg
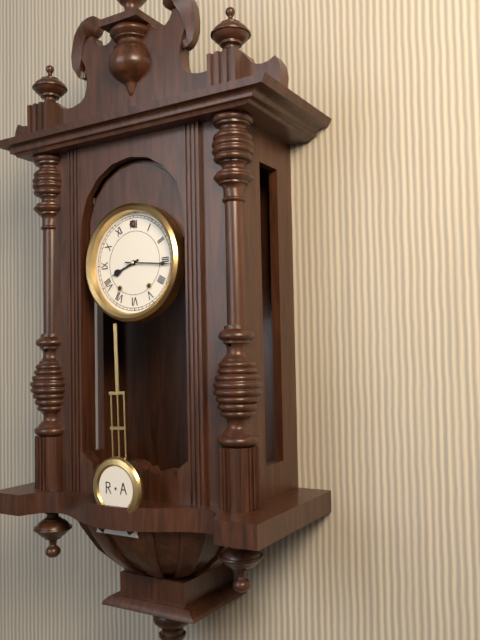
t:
8 h 16 min
